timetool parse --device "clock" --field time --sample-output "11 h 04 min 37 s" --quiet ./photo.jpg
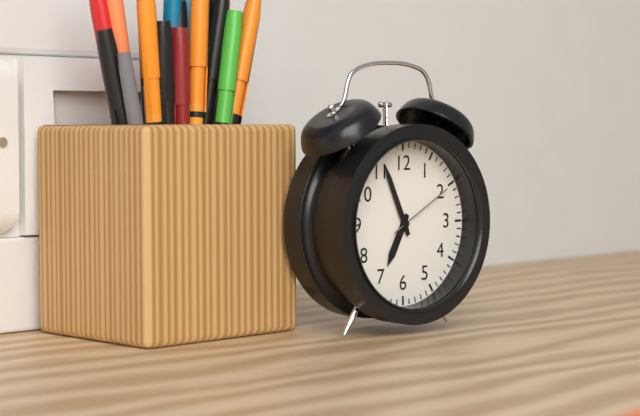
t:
6 h 56 min 10 s
